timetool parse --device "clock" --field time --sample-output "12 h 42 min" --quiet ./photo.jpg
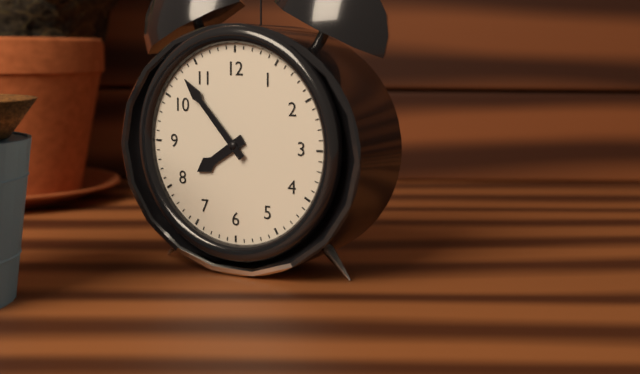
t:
7 h 53 min
